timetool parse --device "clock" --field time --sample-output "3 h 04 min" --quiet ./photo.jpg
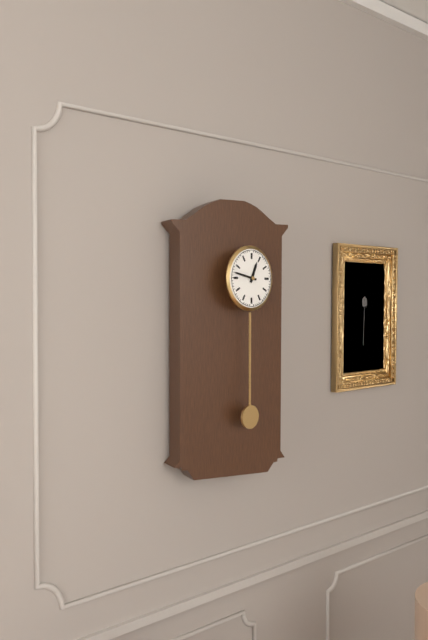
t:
12 h 47 min
